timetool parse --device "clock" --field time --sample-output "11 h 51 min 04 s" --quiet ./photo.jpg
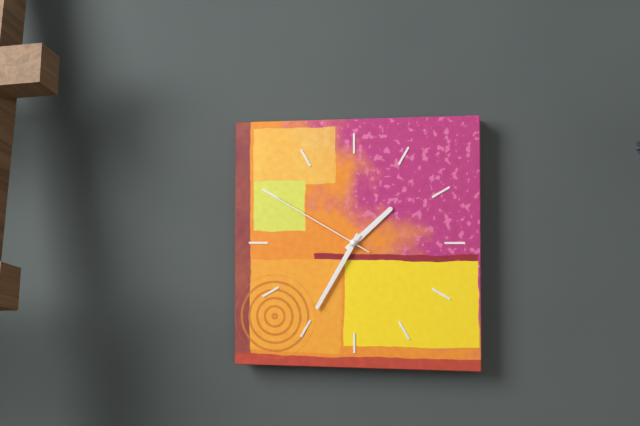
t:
1 h 35 min 50 s
